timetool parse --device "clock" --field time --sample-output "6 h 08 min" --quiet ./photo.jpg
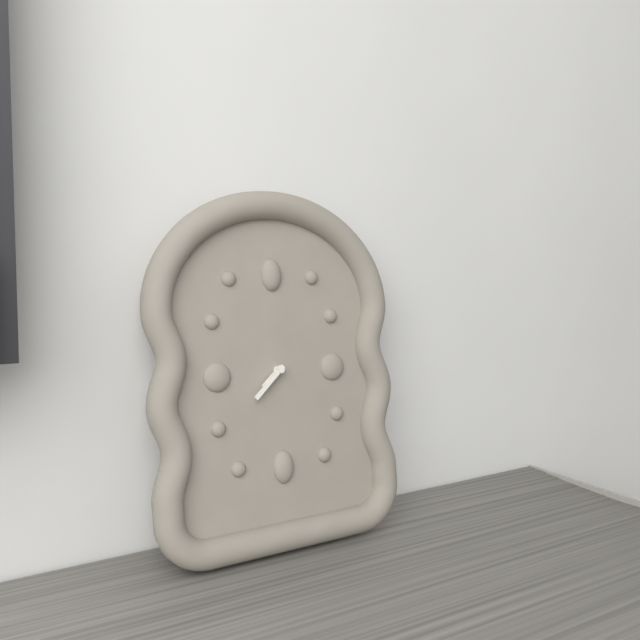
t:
7 h 38 min
